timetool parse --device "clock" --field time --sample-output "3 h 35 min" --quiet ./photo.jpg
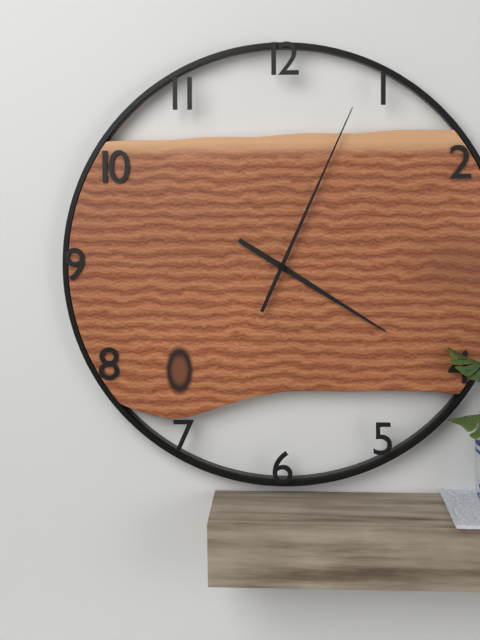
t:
4 h 04 min
